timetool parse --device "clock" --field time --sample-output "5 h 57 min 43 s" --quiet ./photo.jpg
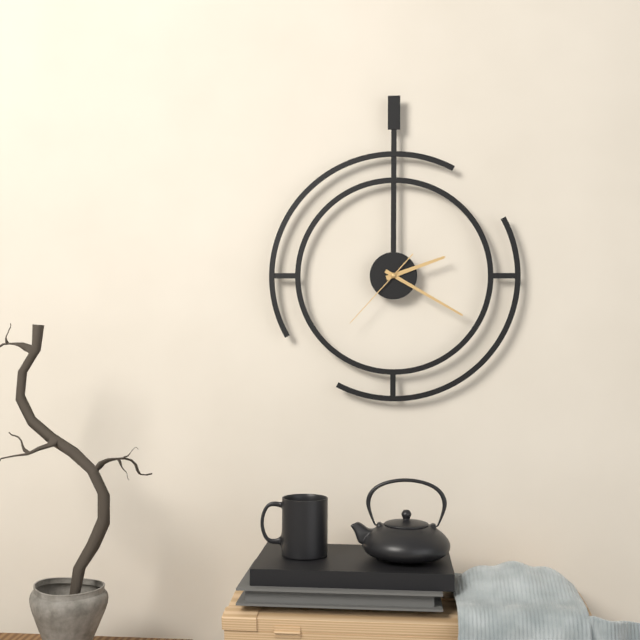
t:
2 h 20 min 37 s
